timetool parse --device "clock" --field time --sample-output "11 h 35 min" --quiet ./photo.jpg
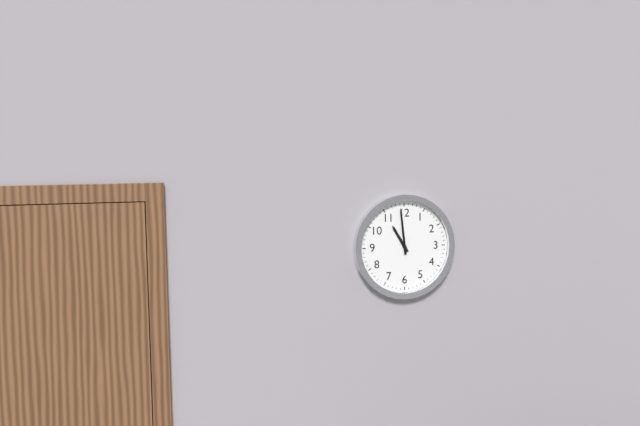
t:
10 h 59 min
